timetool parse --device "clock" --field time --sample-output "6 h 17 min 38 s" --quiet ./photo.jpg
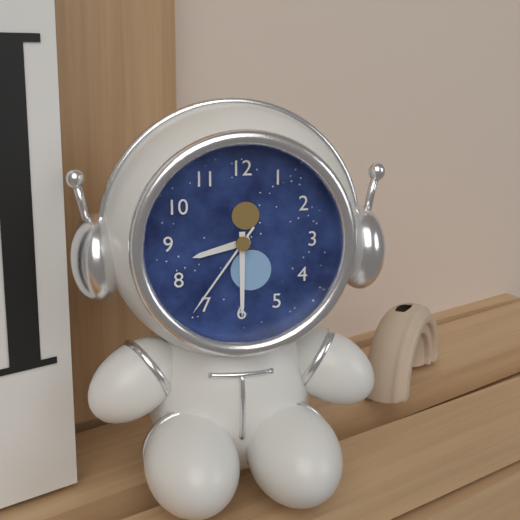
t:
8 h 30 min 36 s
